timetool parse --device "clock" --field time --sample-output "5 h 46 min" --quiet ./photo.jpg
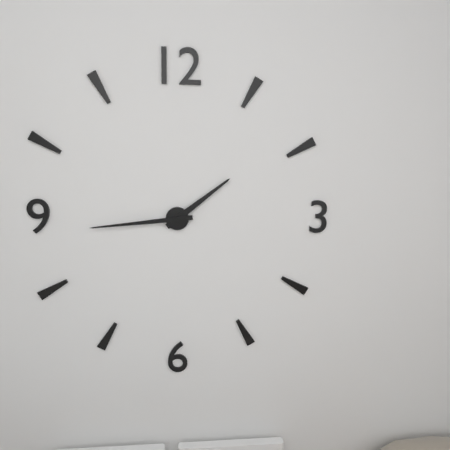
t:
1 h 44 min
